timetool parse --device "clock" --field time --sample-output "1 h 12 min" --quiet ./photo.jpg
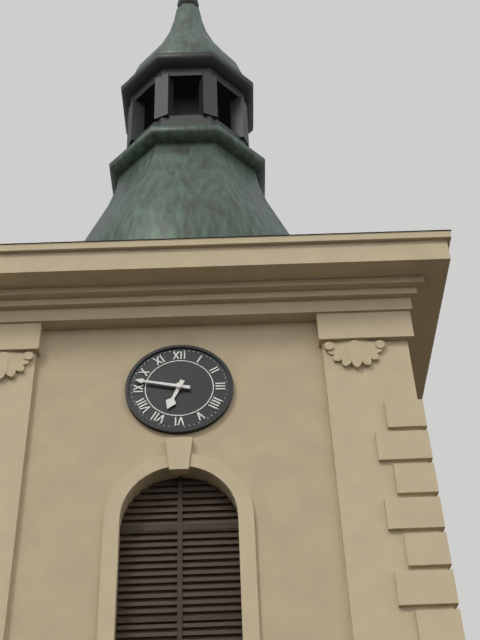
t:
6 h 47 min
